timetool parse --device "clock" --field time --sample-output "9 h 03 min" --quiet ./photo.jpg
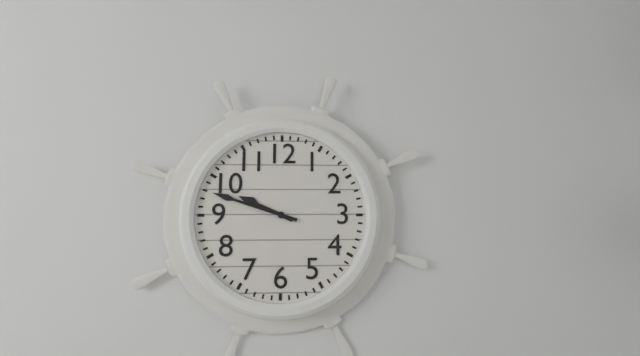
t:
9 h 48 min
